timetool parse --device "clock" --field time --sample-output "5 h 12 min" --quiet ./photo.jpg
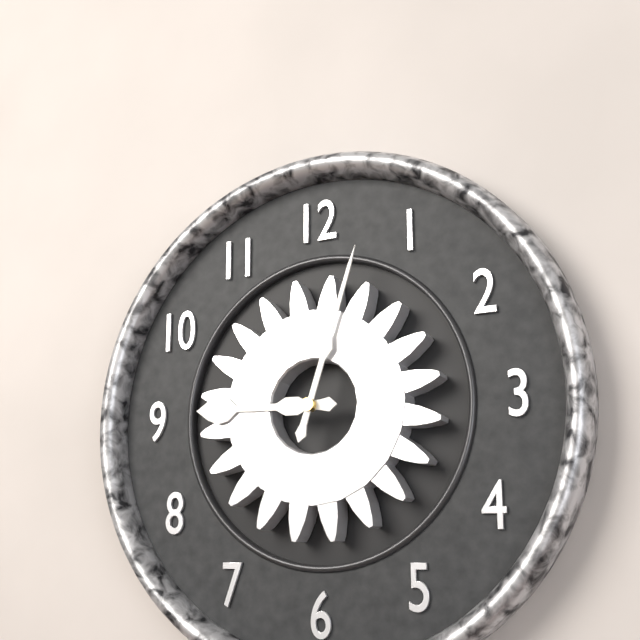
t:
9 h 03 min
